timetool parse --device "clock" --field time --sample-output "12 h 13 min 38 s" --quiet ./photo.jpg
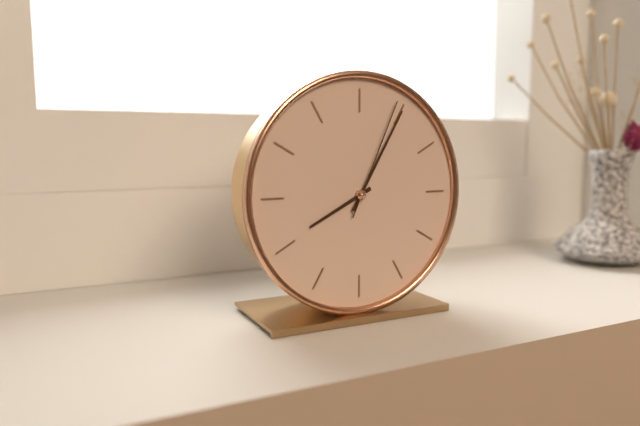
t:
8 h 05 min 04 s
